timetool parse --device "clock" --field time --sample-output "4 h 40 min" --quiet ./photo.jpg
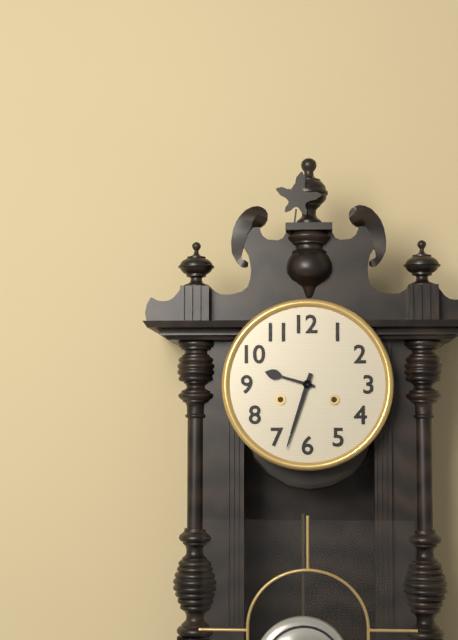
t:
9 h 33 min
